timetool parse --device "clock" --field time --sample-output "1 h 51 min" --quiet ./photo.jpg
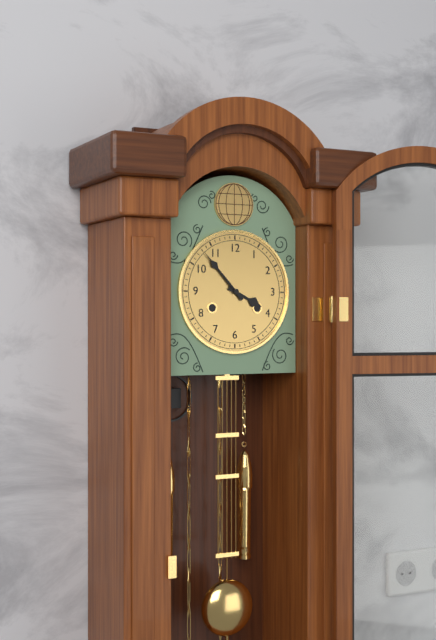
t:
3 h 53 min
